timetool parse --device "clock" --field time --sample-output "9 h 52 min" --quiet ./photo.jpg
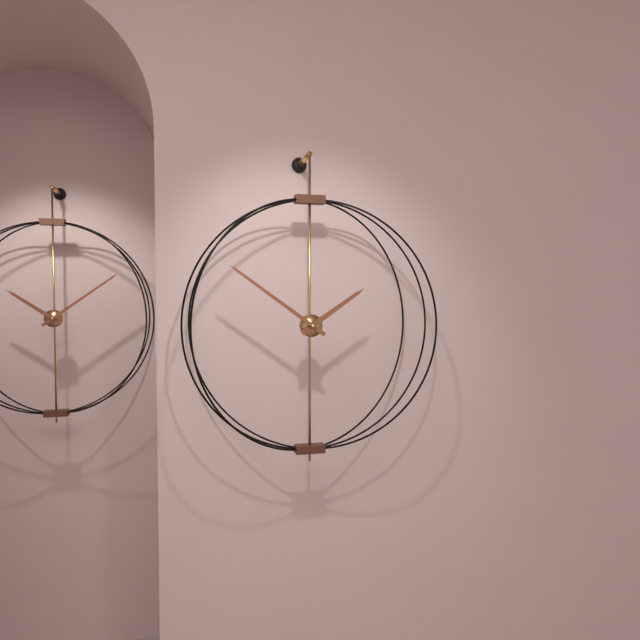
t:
1 h 51 min
